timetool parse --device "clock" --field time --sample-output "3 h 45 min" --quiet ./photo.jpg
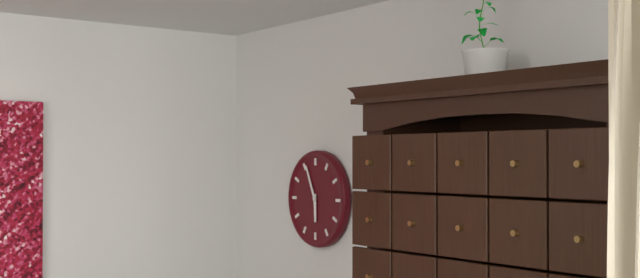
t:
5 h 56 min
